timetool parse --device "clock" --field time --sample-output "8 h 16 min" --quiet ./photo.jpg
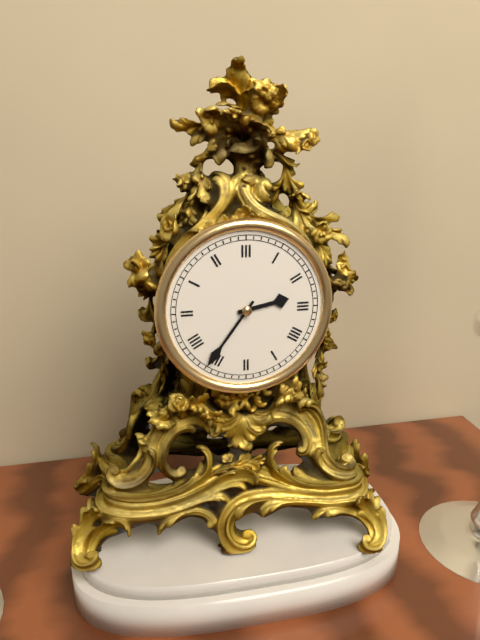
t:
2 h 36 min
